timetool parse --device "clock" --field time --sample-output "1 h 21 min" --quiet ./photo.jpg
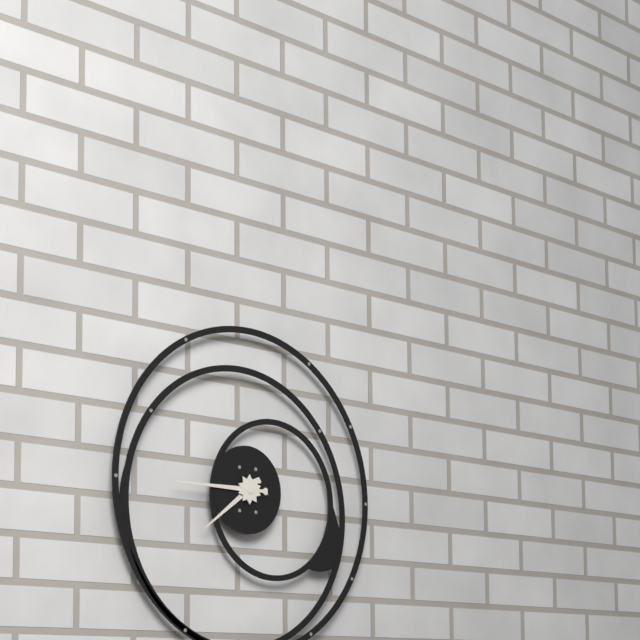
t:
7 h 45 min
